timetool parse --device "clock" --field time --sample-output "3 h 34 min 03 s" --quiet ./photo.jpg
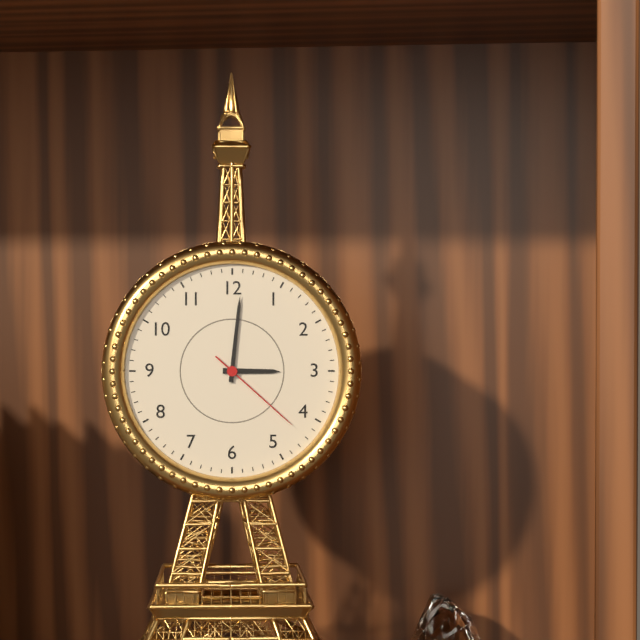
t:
3 h 01 min 22 s
